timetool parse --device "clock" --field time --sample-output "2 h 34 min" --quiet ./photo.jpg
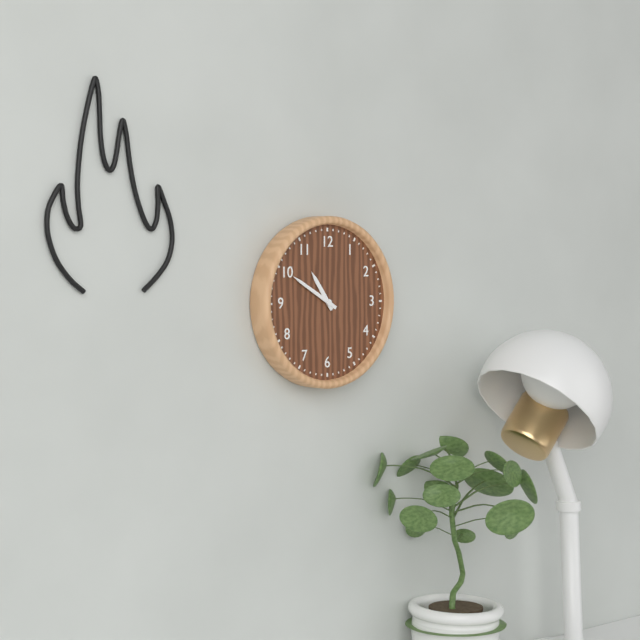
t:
10 h 50 min
